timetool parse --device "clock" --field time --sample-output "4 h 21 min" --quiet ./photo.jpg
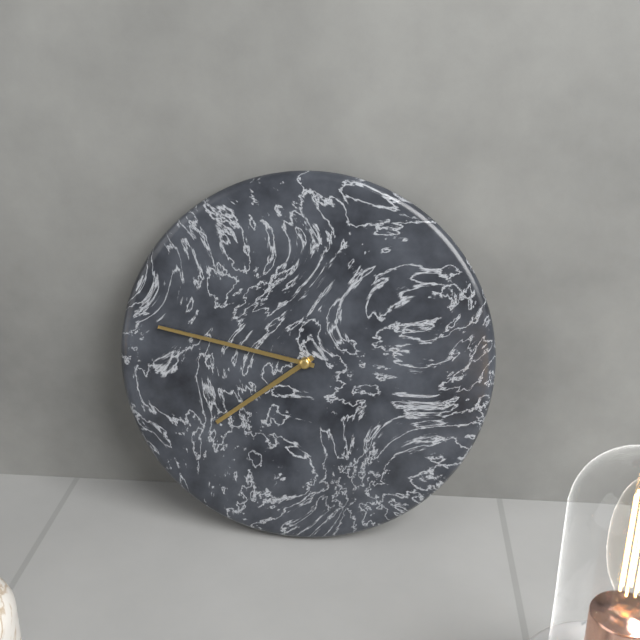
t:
7 h 47 min
